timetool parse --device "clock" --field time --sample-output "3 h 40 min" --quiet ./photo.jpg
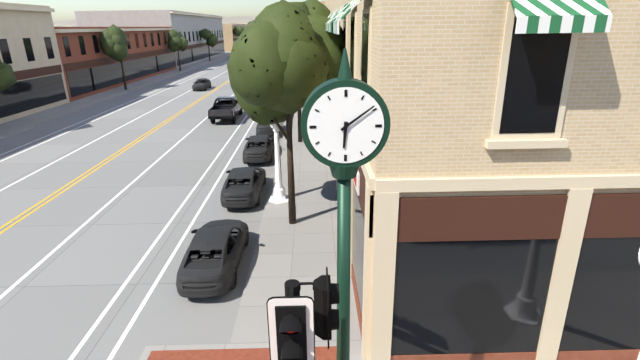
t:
6 h 09 min
